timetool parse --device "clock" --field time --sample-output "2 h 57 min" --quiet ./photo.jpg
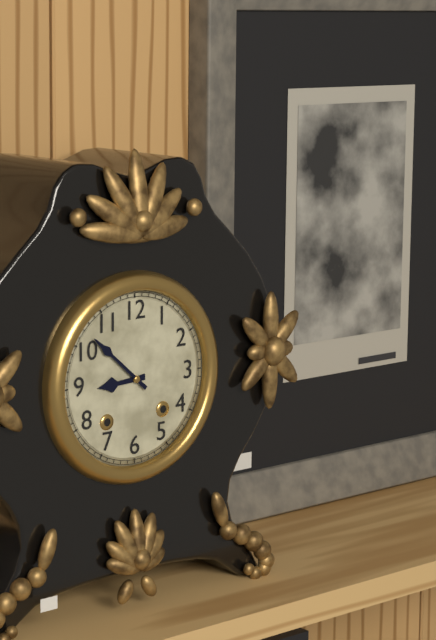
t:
8 h 52 min
